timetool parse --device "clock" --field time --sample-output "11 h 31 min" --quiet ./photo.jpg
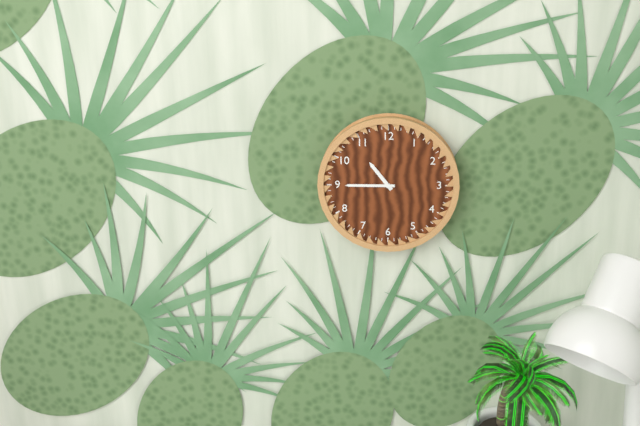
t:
10 h 45 min
